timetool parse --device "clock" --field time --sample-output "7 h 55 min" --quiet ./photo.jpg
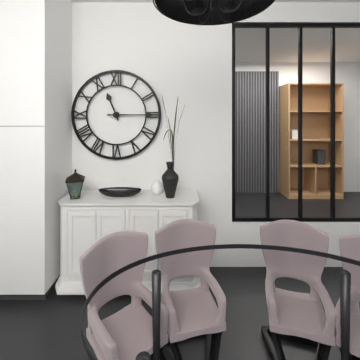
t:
11 h 15 min
